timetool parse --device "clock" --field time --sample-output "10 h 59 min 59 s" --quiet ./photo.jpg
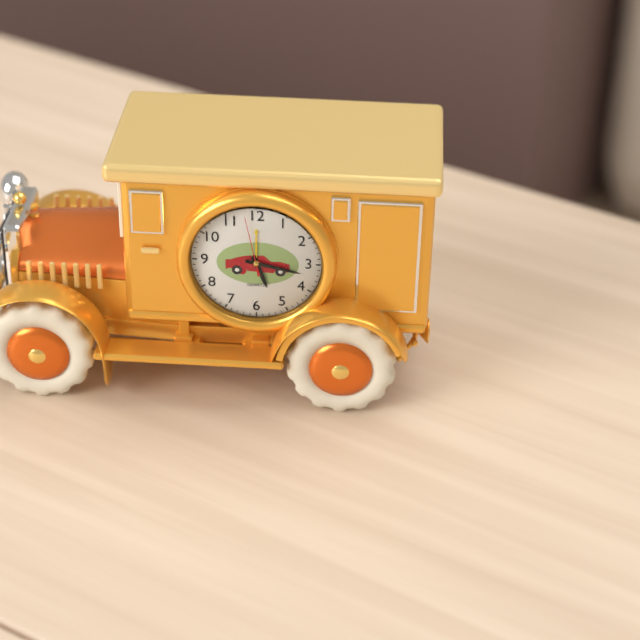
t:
5 h 17 min 58 s
